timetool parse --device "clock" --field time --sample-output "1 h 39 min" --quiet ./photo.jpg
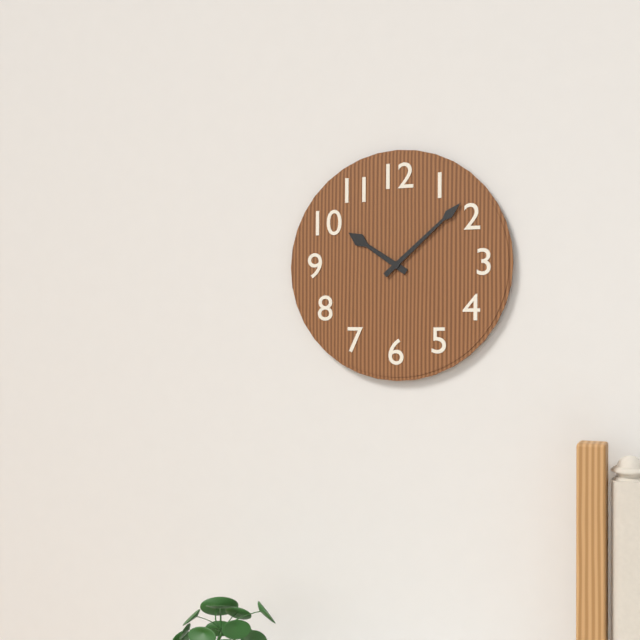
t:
10 h 08 min
